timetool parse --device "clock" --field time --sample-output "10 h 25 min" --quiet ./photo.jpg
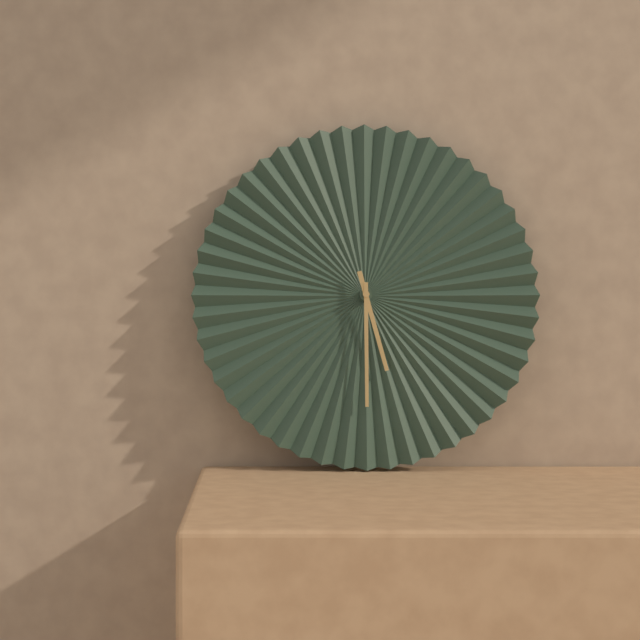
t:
5 h 30 min
